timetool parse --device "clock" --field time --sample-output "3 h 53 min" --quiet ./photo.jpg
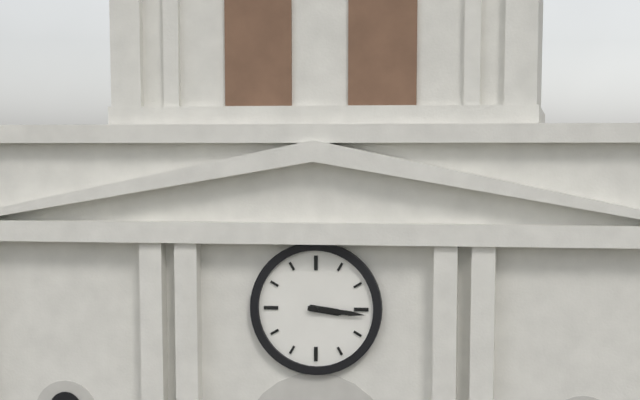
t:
3 h 16 min
